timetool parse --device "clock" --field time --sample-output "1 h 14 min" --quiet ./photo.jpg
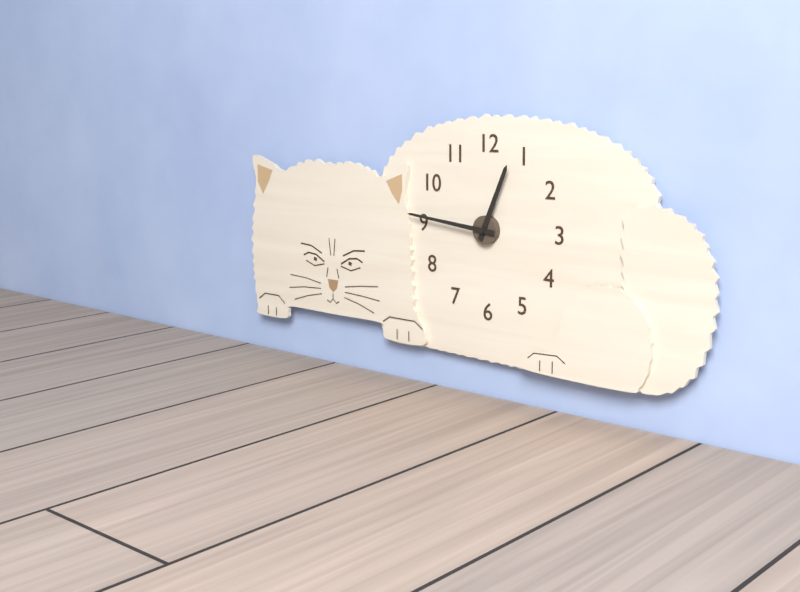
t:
12 h 46 min
